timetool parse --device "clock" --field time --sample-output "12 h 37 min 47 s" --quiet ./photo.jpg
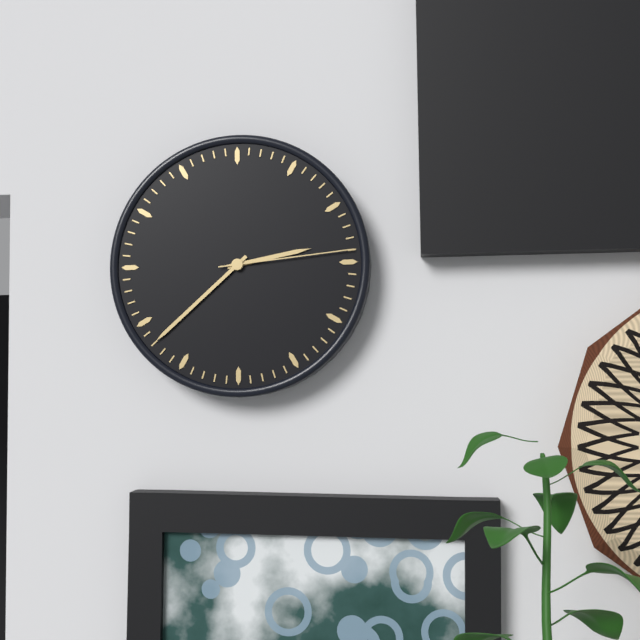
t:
2 h 38 min 14 s
